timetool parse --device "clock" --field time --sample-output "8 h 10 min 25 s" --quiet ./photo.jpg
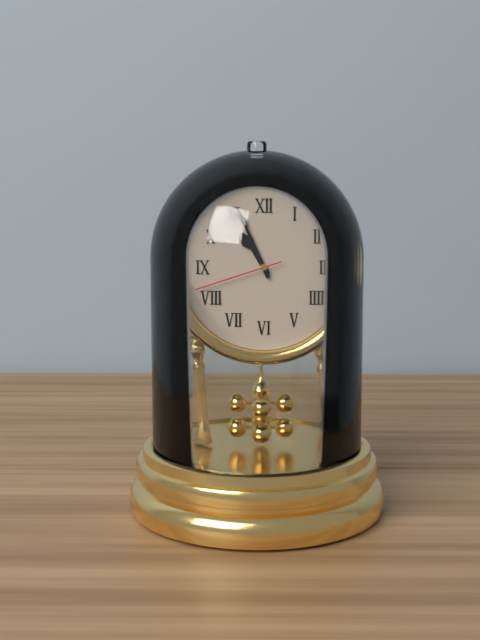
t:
10 h 56 min 42 s
